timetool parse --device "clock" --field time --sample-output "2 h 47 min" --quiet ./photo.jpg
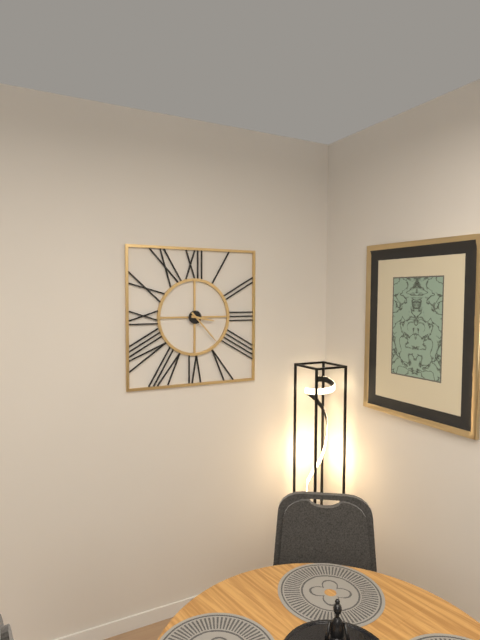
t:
3 h 23 min
